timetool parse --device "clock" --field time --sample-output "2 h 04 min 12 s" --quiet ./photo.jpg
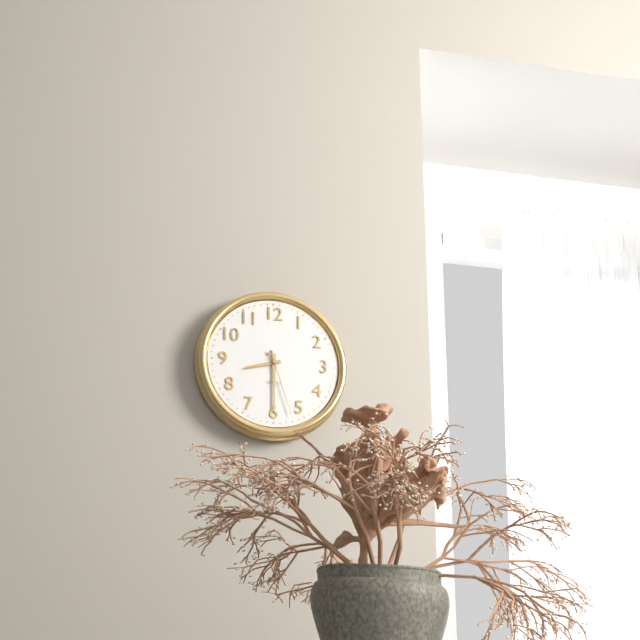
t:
8 h 30 min 27 s
